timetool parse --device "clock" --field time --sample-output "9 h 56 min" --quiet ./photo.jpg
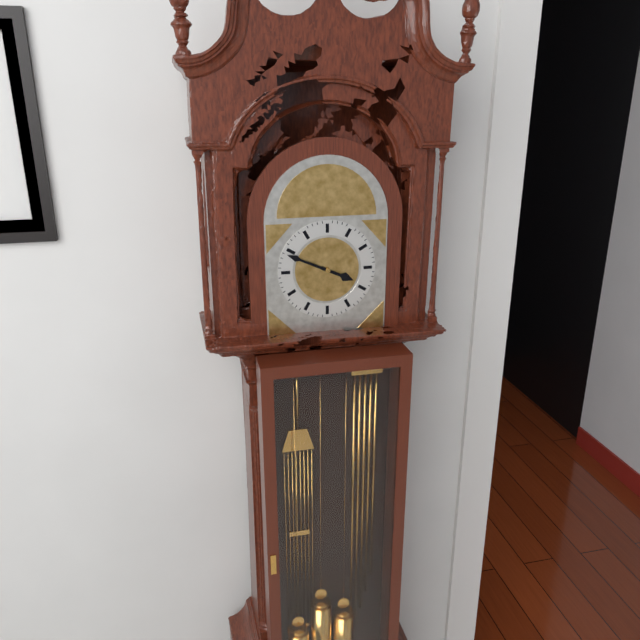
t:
3 h 49 min
